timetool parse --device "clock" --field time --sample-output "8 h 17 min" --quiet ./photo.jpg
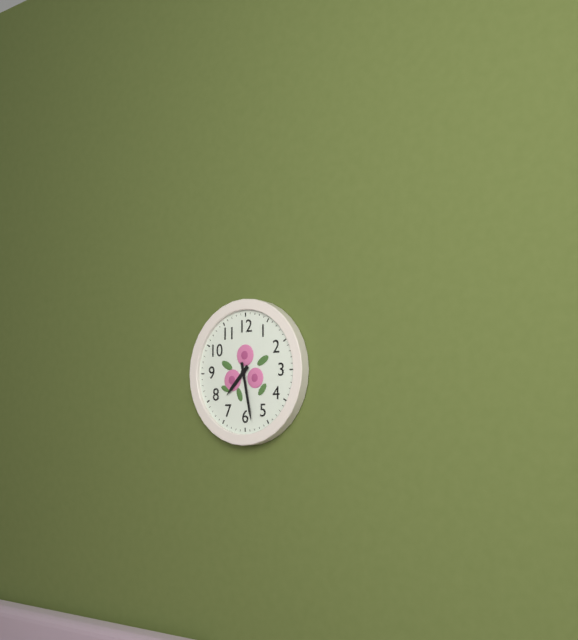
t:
7 h 28 min
